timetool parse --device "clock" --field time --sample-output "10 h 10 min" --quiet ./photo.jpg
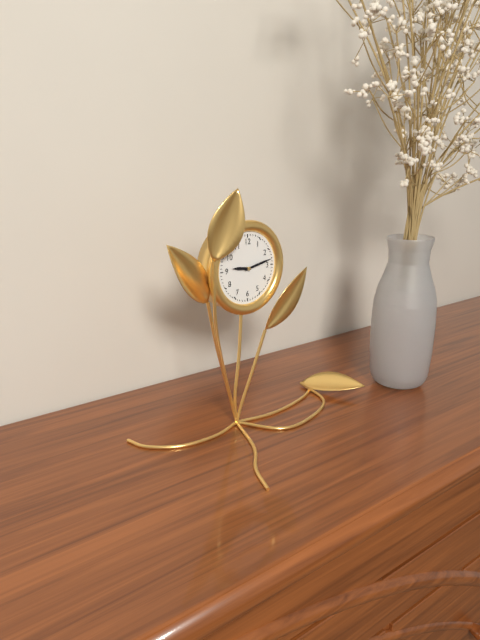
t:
9 h 13 min
